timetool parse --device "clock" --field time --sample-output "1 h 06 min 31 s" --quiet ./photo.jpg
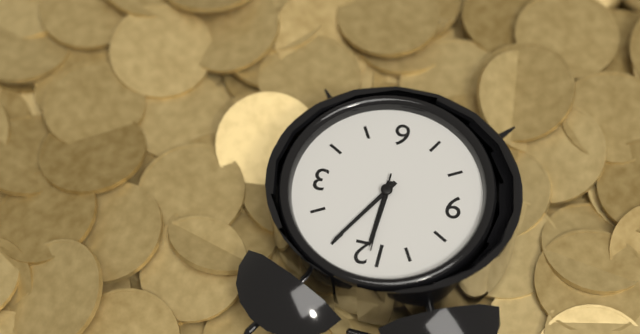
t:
12 h 05 min 00 s
